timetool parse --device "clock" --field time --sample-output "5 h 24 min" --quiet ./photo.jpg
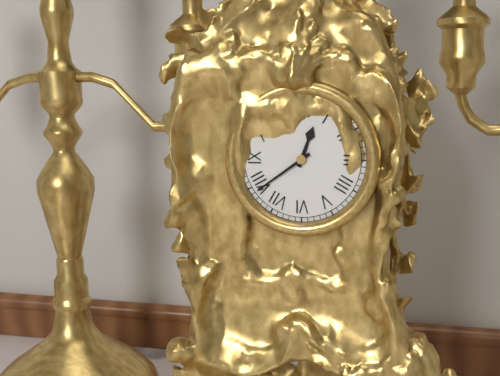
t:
12 h 39 min
